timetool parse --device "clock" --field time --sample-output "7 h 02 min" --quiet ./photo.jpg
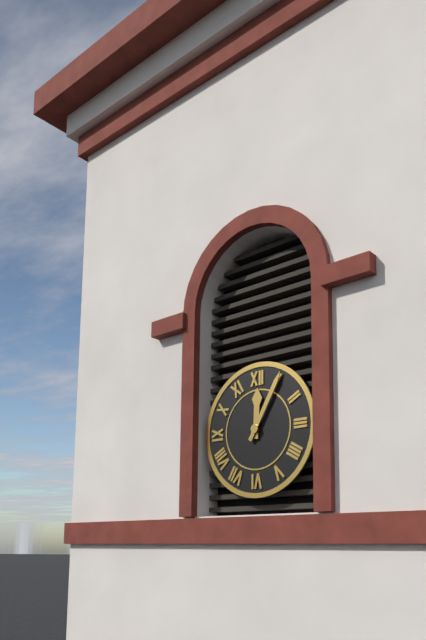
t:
12 h 05 min
